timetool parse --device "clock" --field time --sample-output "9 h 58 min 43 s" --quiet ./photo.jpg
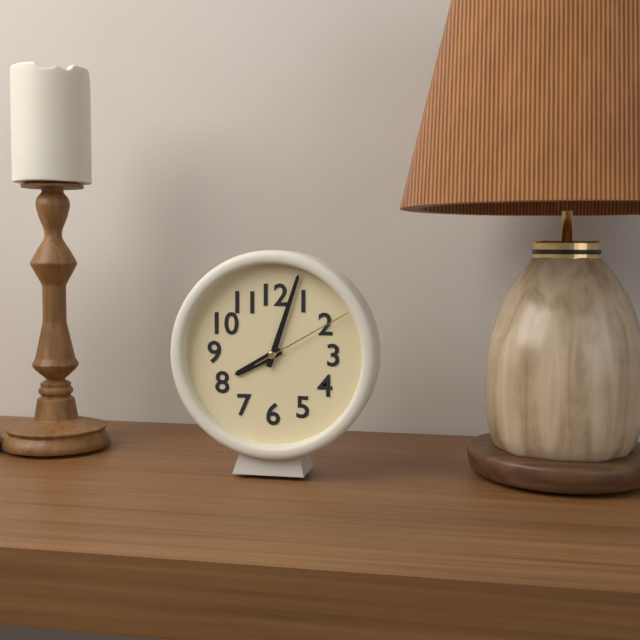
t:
8 h 03 min 10 s
